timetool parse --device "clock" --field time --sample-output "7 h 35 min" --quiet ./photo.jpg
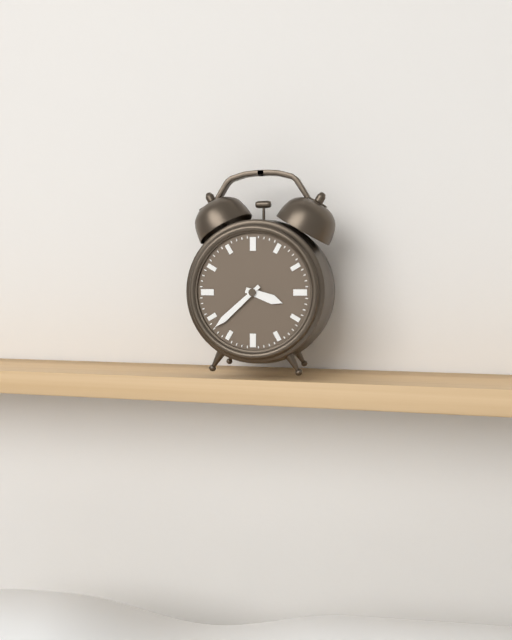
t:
3 h 38 min
